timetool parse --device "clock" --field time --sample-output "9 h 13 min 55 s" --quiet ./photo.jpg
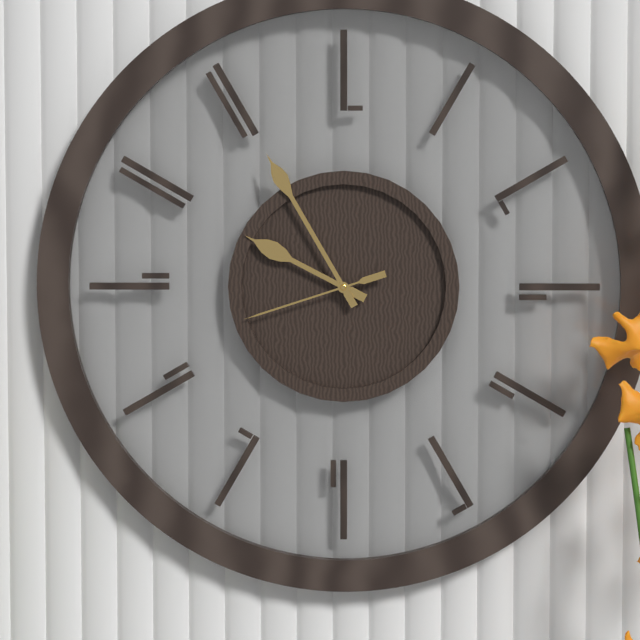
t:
9 h 55 min 42 s
